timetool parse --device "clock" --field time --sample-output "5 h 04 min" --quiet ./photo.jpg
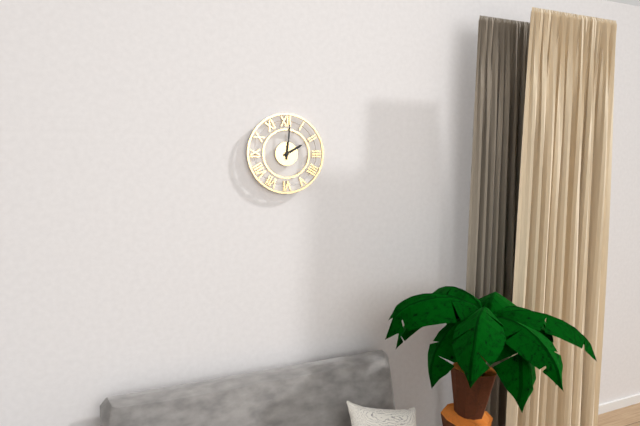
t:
2 h 01 min
